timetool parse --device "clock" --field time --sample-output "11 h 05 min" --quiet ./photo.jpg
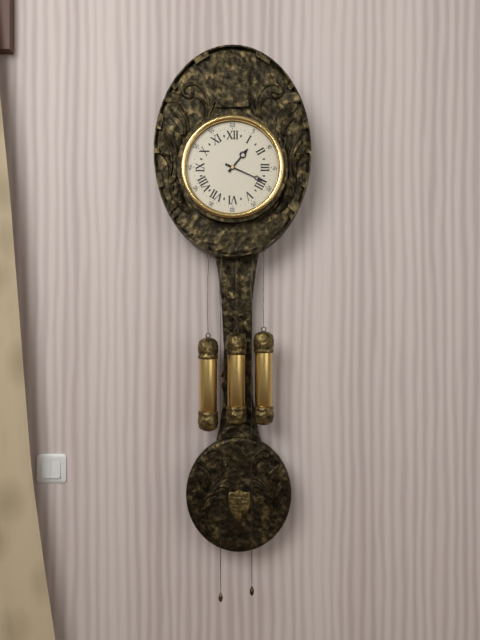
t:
1 h 19 min
